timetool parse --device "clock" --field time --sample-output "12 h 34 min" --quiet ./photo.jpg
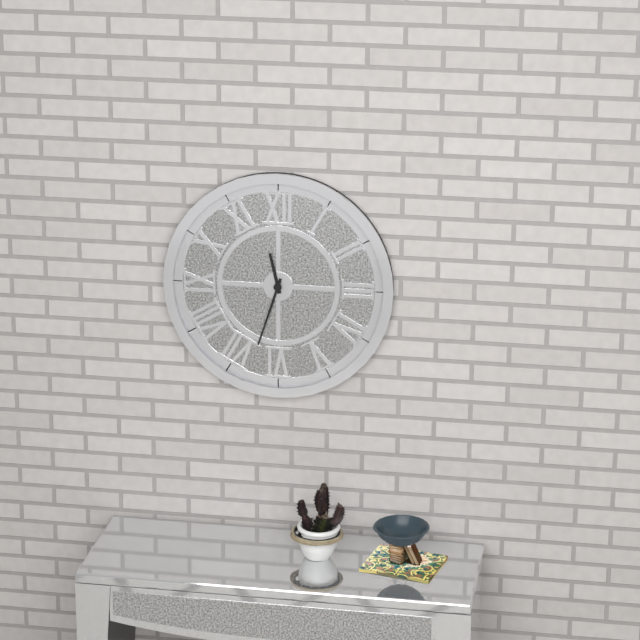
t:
11 h 33 min
